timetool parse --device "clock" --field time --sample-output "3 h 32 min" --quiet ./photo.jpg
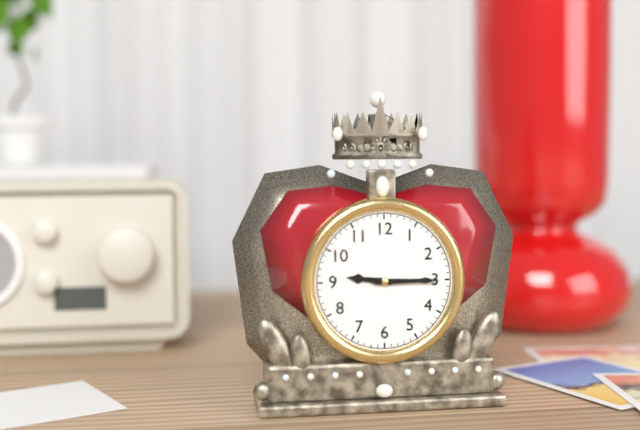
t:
9 h 15 min
